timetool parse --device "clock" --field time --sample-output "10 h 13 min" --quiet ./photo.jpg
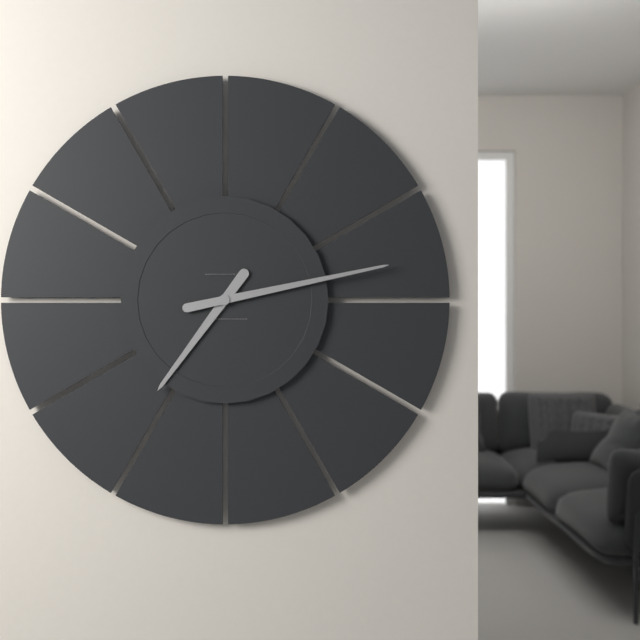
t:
7 h 13 min
